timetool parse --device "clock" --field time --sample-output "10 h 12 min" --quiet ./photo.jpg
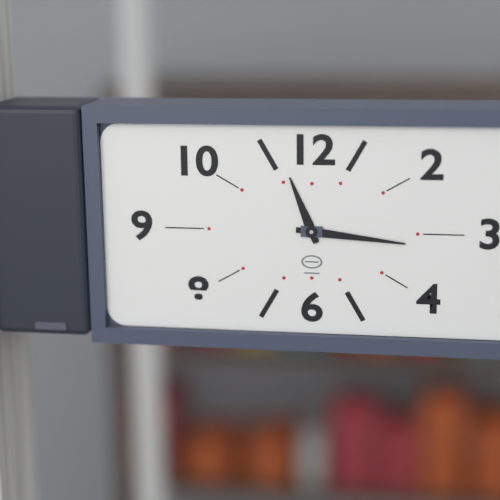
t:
11 h 16 min
